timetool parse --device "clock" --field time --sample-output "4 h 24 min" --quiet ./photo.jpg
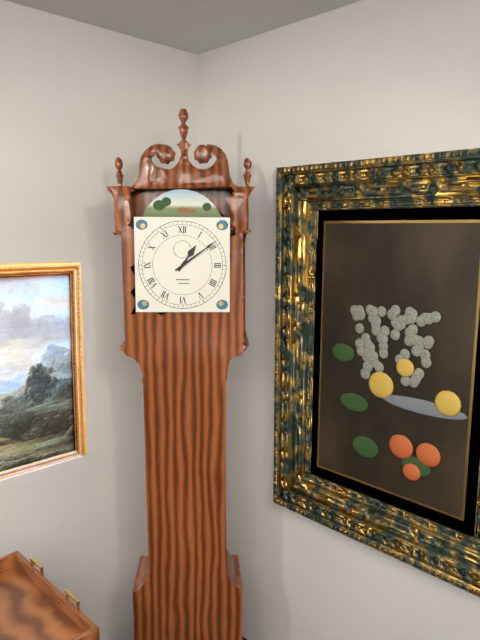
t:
1 h 09 min
